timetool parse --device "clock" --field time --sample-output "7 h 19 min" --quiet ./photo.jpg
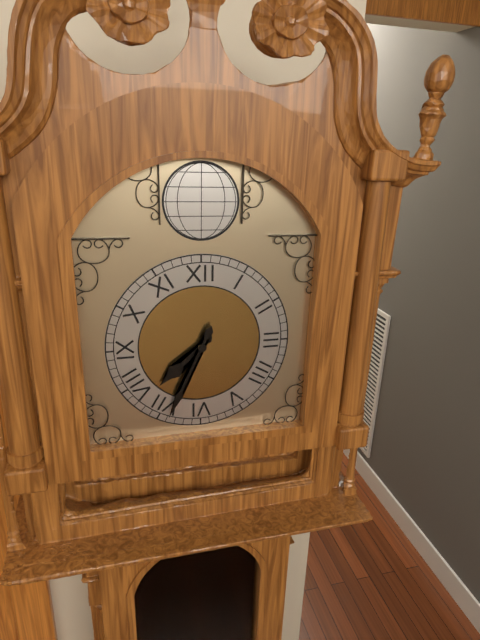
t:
7 h 34 min
